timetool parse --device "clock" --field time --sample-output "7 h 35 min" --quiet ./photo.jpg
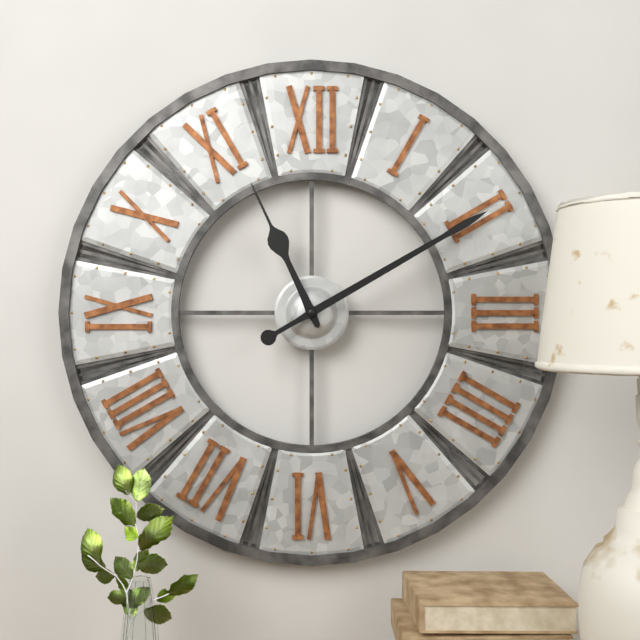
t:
11 h 10 min
